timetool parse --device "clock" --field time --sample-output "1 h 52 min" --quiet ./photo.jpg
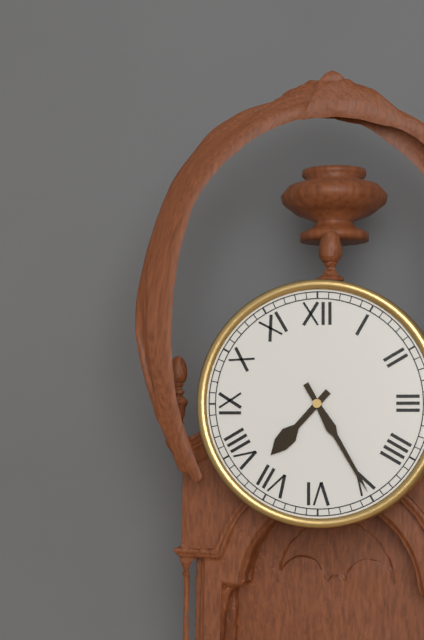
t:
7 h 25 min
